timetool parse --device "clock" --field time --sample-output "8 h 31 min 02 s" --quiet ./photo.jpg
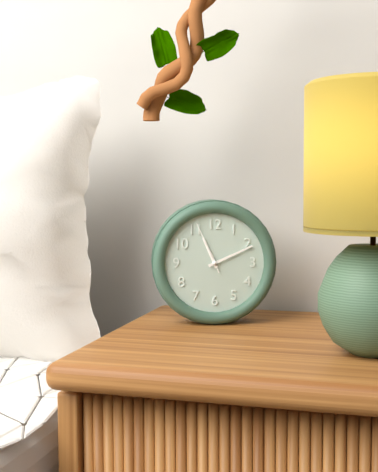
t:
11 h 11 min 56 s
